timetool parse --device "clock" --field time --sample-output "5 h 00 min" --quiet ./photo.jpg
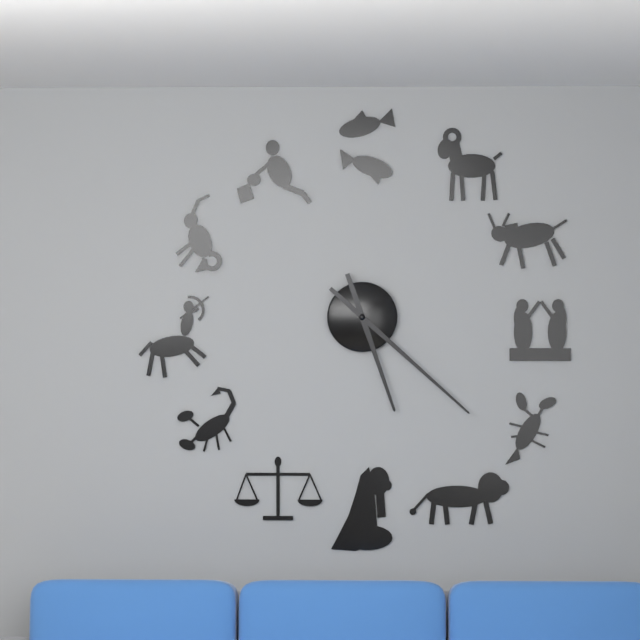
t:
5 h 22 min
